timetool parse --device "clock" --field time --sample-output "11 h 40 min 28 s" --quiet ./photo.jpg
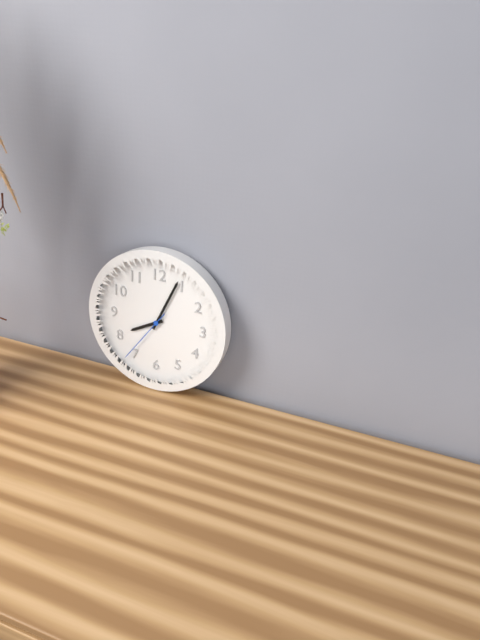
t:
8 h 04 min 36 s
